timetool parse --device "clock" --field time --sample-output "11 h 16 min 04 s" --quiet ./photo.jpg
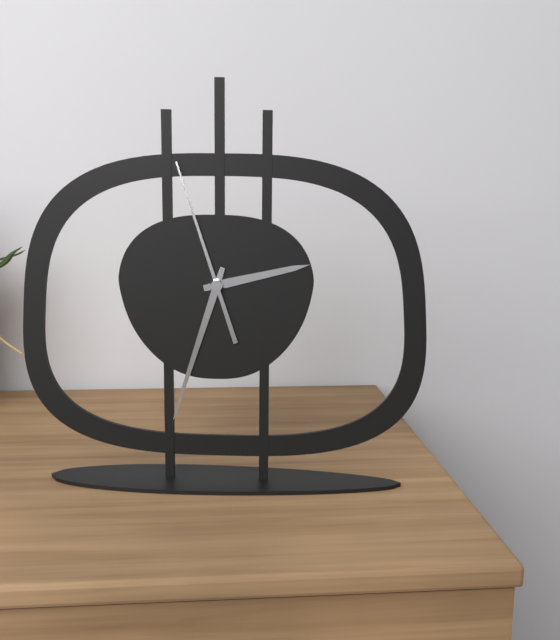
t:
2 h 33 min 57 s
